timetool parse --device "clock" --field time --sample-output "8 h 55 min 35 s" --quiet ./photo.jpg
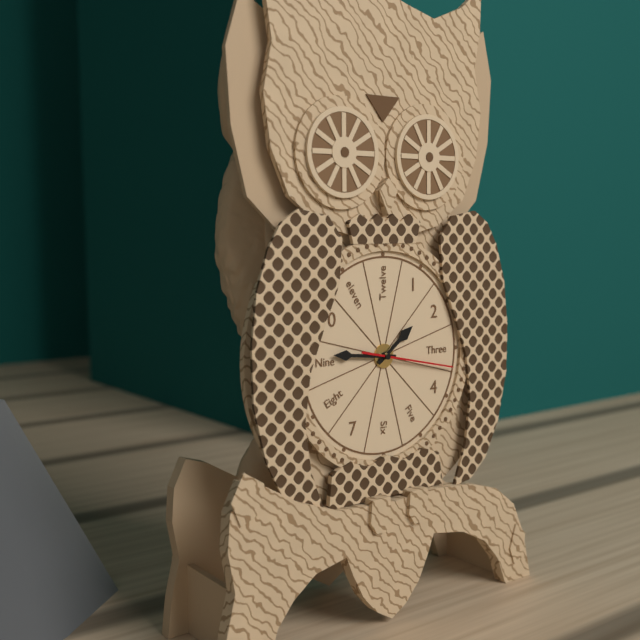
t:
1 h 46 min 17 s
